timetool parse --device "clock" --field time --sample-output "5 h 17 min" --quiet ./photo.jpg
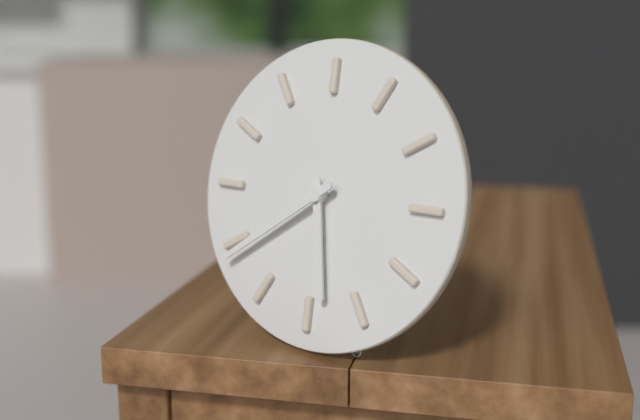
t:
5 h 39 min
